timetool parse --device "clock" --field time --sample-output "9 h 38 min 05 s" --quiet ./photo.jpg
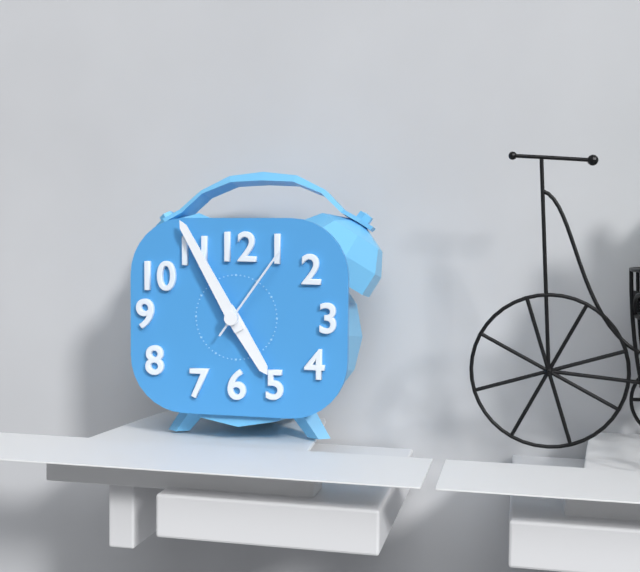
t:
4 h 55 min 06 s
